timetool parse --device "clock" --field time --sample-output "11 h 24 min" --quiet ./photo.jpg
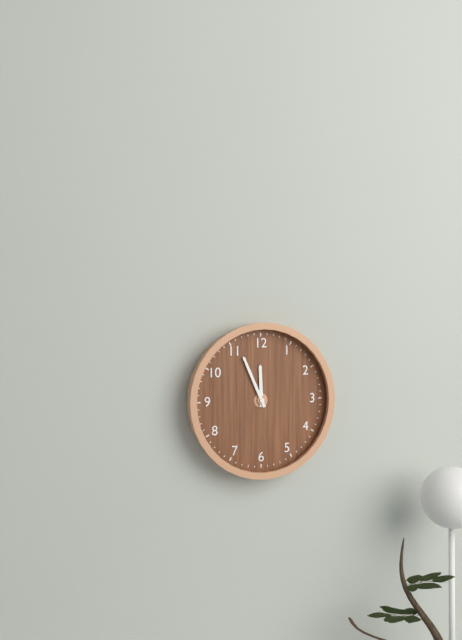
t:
11 h 56 min
